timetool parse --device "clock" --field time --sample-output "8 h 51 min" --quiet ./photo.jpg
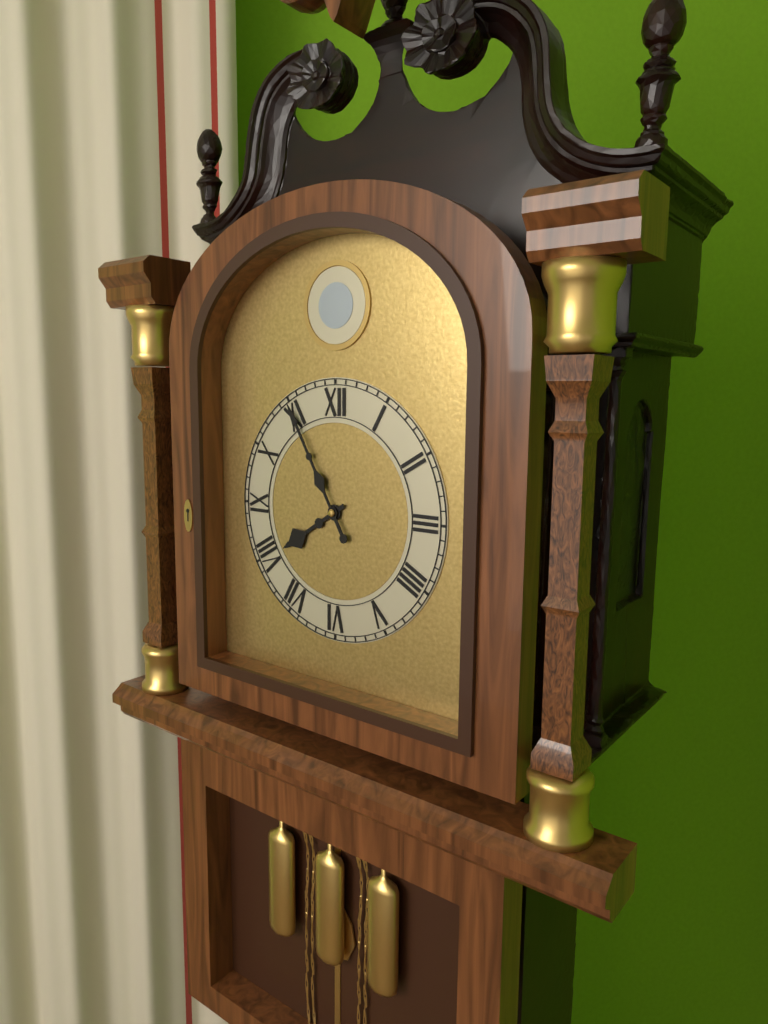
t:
7 h 55 min
